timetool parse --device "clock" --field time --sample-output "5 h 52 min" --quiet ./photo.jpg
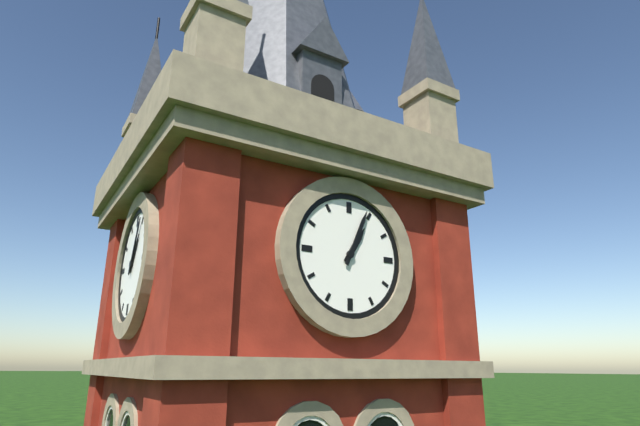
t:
1 h 04 min
